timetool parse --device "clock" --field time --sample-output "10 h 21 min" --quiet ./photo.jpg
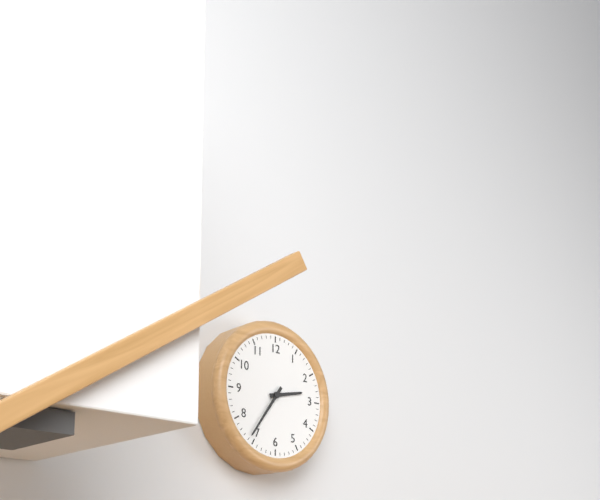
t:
2 h 36 min
